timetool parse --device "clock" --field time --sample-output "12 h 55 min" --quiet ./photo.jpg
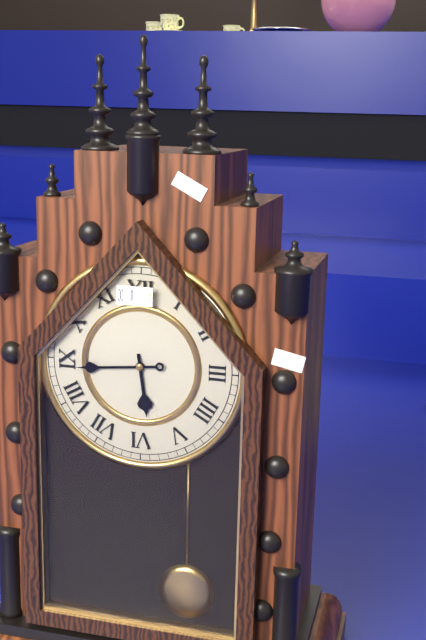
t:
5 h 44 min
